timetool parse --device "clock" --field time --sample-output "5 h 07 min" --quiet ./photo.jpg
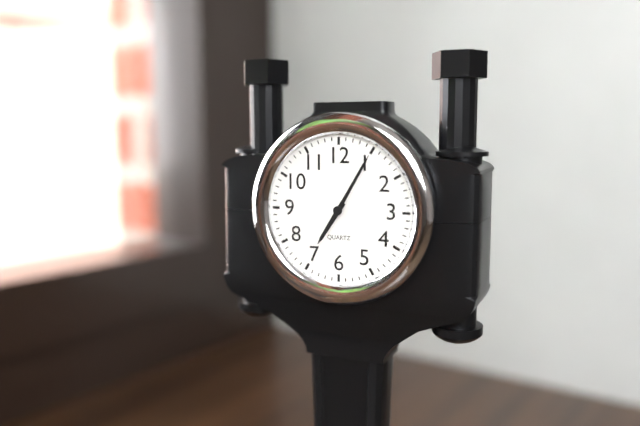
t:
7 h 05 min
